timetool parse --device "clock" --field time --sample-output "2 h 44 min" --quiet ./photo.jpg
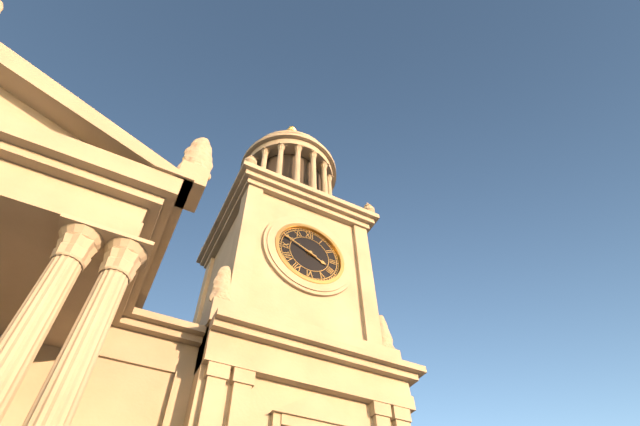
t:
3 h 49 min
